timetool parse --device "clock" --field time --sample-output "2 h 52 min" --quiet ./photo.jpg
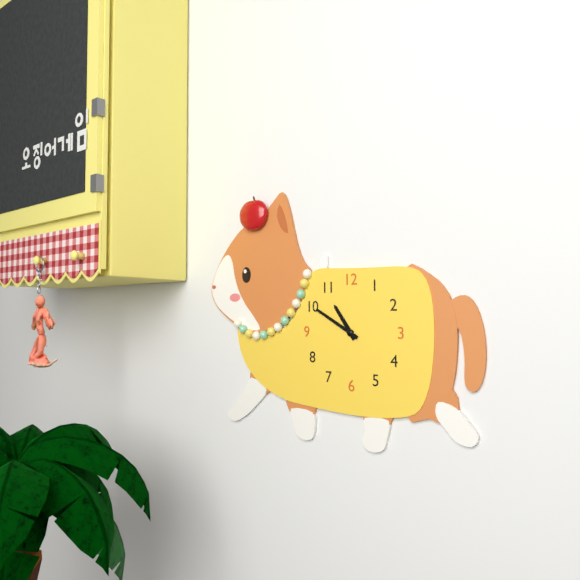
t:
10 h 50 min
